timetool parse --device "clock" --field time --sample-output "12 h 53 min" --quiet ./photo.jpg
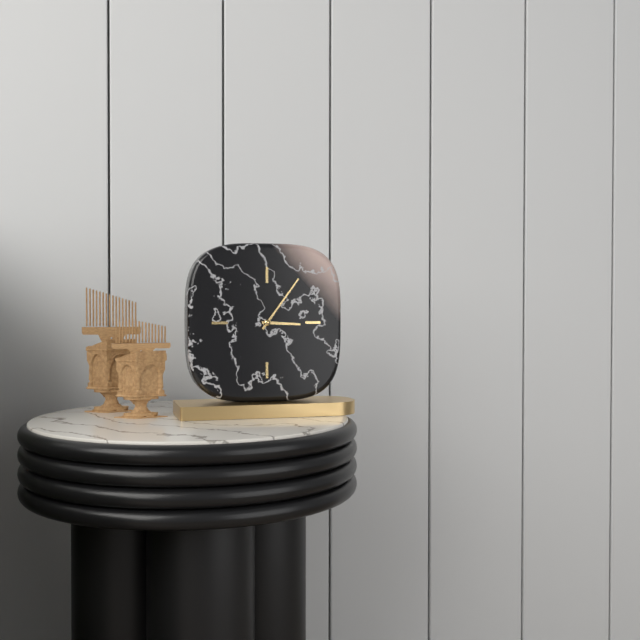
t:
3 h 06 min
